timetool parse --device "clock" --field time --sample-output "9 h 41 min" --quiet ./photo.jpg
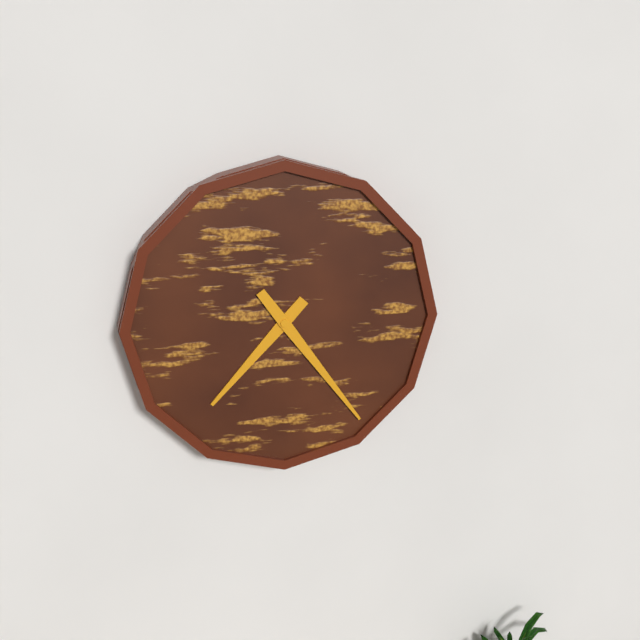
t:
7 h 24 min
